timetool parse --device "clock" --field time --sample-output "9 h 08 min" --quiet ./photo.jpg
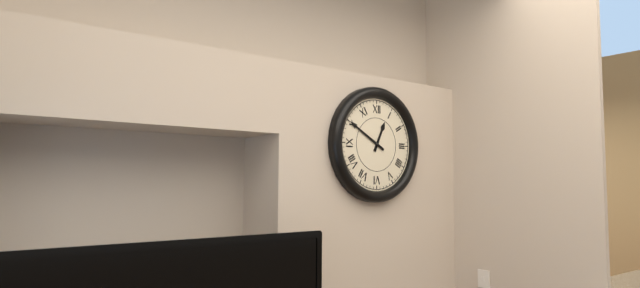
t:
12 h 50 min
